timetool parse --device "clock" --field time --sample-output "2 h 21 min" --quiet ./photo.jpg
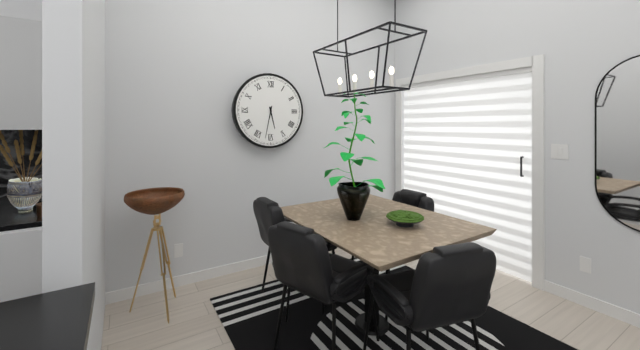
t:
5 h 32 min
